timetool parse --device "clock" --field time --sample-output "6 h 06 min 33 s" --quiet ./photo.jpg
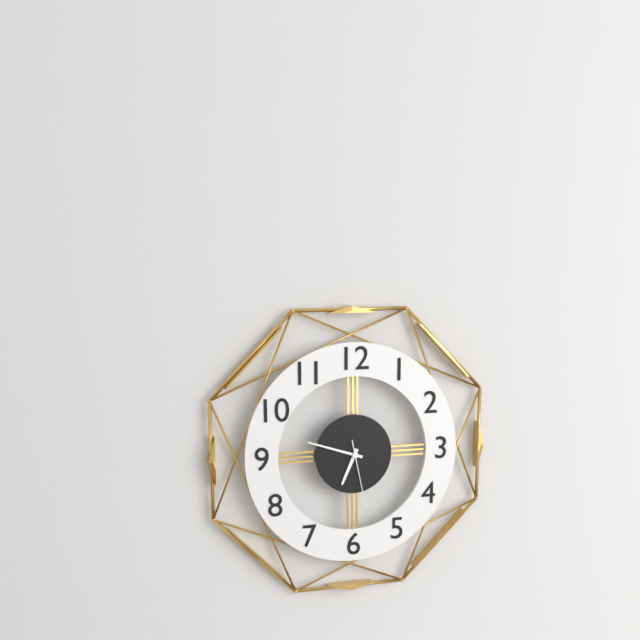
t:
6 h 48 min 28 s
